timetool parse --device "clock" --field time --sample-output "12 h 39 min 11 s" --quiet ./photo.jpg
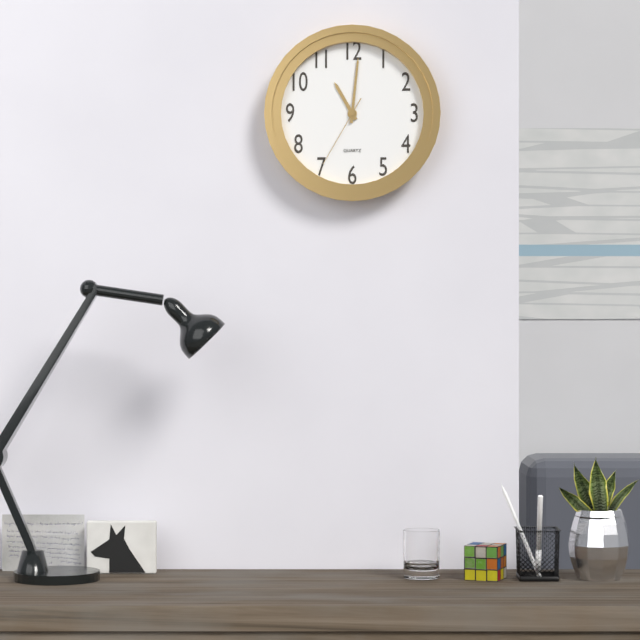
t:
11 h 01 min 35 s
